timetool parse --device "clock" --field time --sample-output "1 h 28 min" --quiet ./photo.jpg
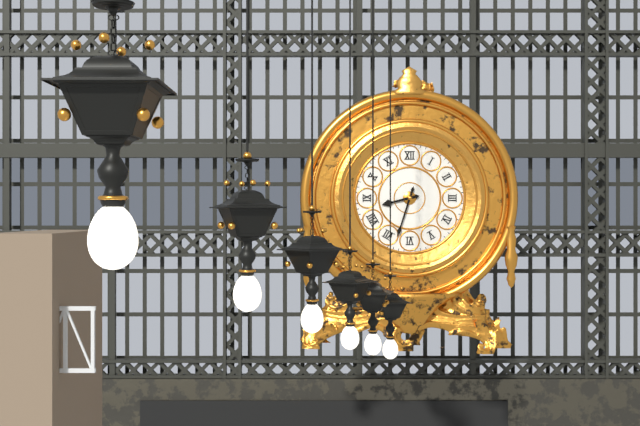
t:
8 h 33 min
